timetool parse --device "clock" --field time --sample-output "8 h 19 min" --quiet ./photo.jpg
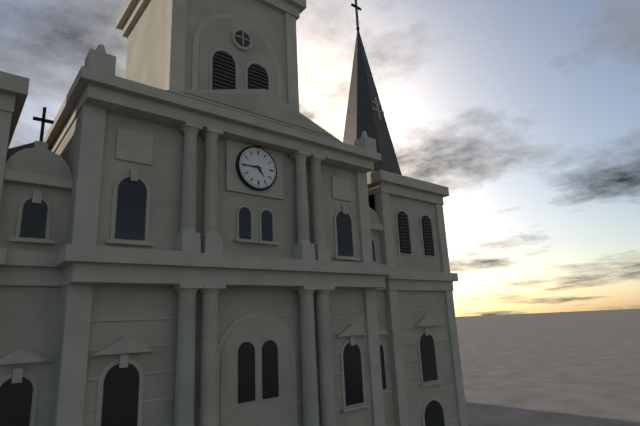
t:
4 h 45 min
